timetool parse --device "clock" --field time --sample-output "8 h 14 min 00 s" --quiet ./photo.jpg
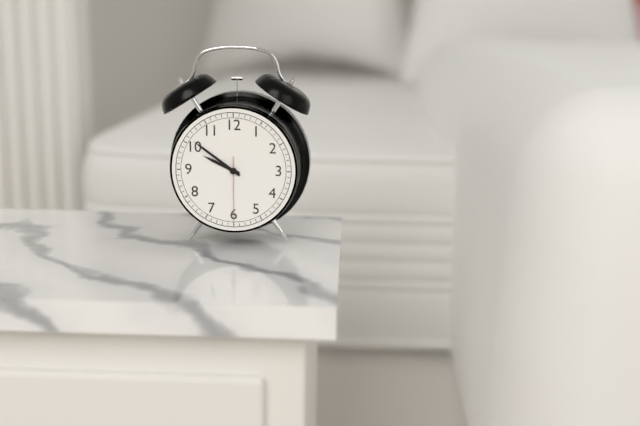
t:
9 h 51 min 30 s
